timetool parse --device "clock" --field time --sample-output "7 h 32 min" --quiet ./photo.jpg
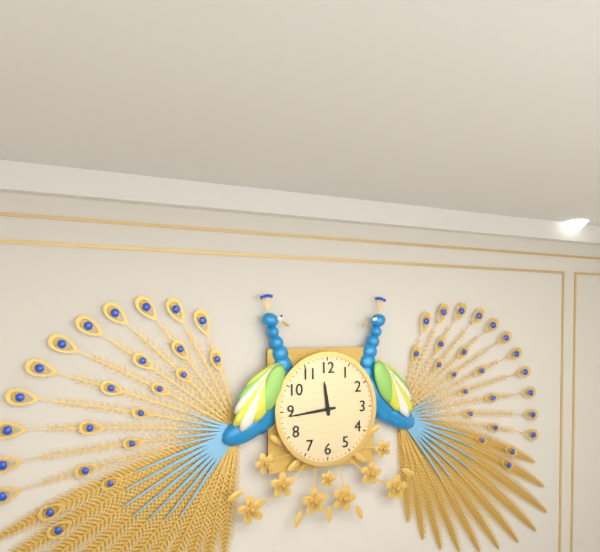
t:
11 h 44 min
